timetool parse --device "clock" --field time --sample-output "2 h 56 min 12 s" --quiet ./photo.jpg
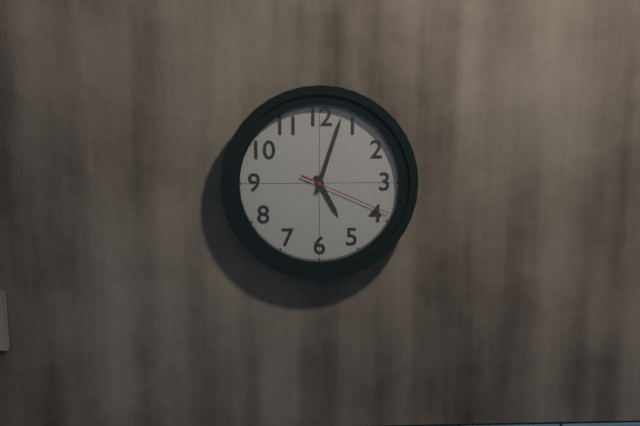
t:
5 h 03 min 19 s
